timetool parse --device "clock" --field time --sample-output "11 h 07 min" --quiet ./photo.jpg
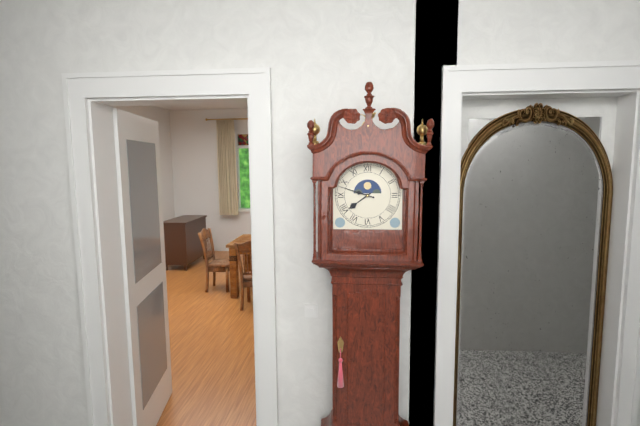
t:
7 h 48 min
